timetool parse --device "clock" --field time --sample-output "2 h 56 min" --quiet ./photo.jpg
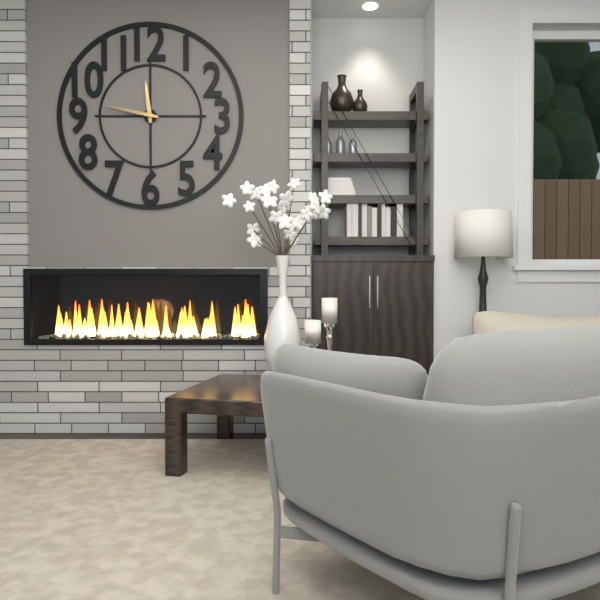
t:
11 h 47 min
